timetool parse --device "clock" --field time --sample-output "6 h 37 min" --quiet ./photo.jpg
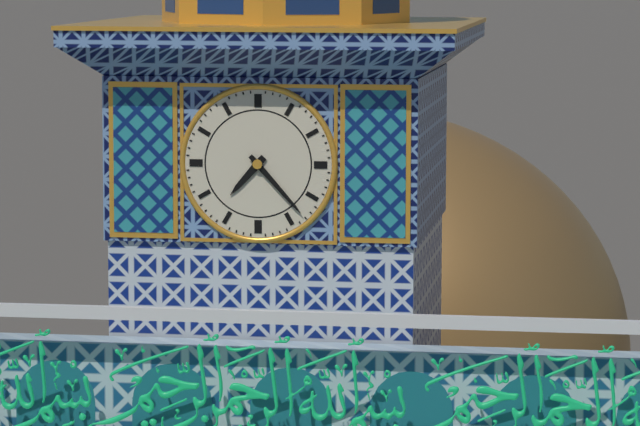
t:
7 h 23 min
